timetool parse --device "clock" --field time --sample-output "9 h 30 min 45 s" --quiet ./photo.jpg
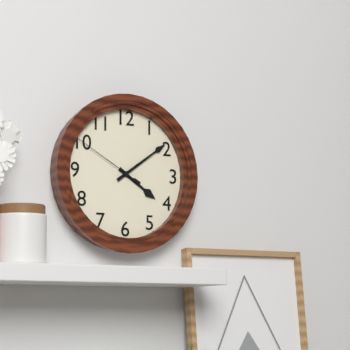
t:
4 h 09 min 50 s
